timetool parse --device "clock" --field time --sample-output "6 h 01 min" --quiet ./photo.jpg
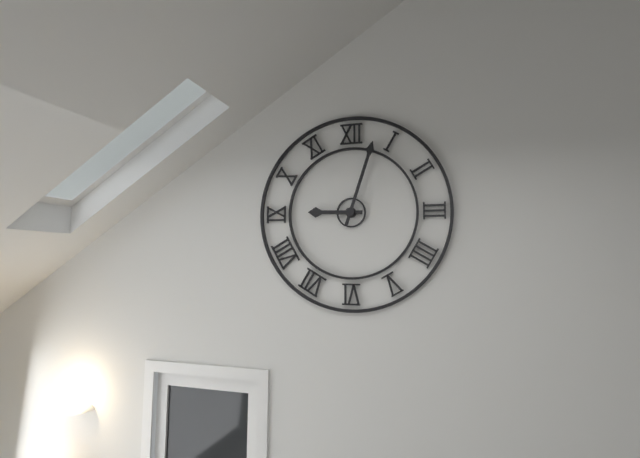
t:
9 h 03 min
